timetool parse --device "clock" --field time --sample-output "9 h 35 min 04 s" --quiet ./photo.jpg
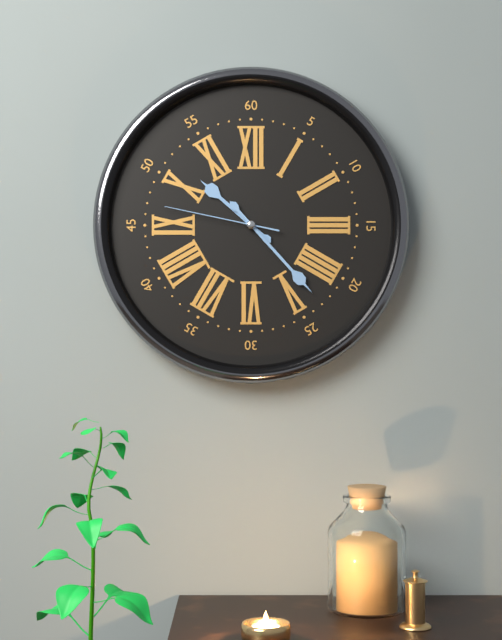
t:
10 h 23 min 47 s
